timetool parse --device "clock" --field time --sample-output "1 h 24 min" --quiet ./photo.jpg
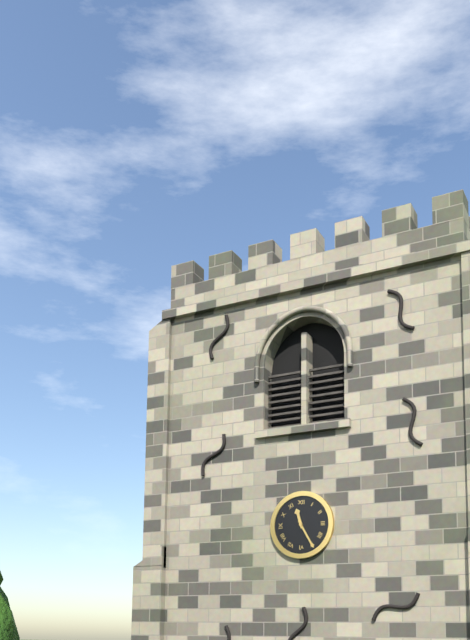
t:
11 h 25 min
